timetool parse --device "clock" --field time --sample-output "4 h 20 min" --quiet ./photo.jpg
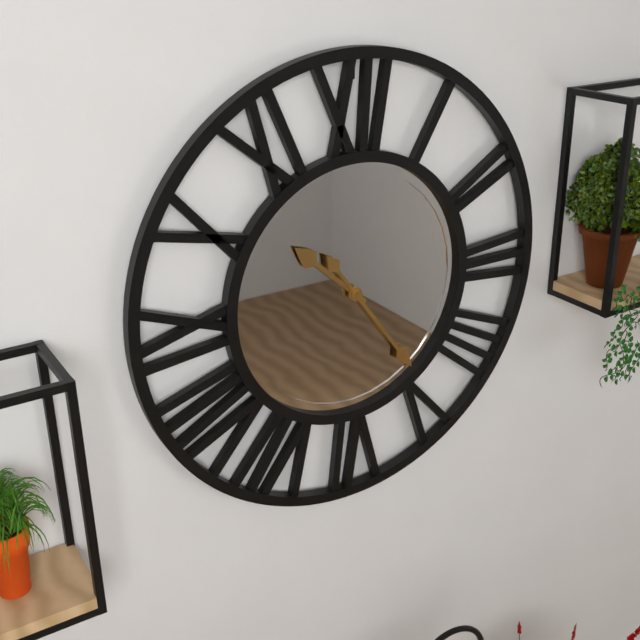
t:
10 h 24 min
